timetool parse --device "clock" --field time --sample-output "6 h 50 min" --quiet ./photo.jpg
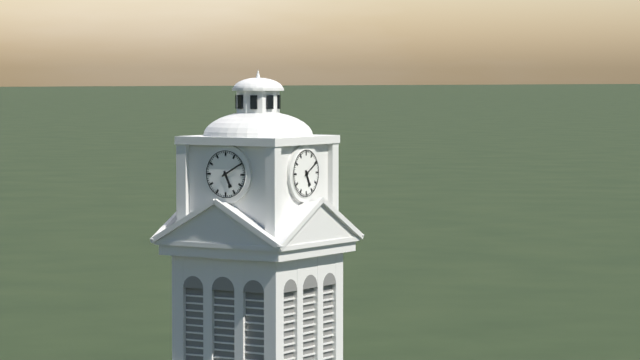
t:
5 h 10 min
